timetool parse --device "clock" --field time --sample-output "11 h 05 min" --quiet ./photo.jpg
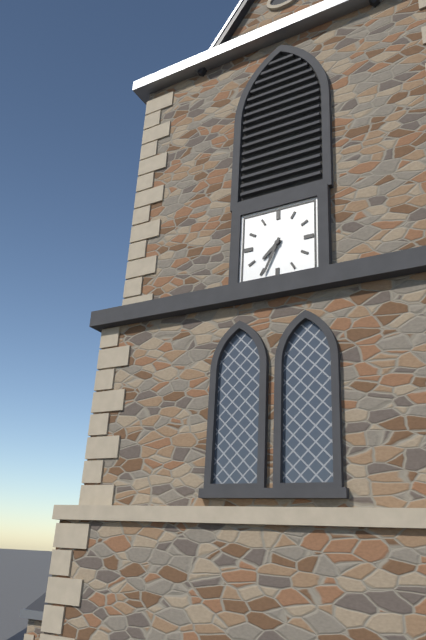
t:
7 h 34 min
